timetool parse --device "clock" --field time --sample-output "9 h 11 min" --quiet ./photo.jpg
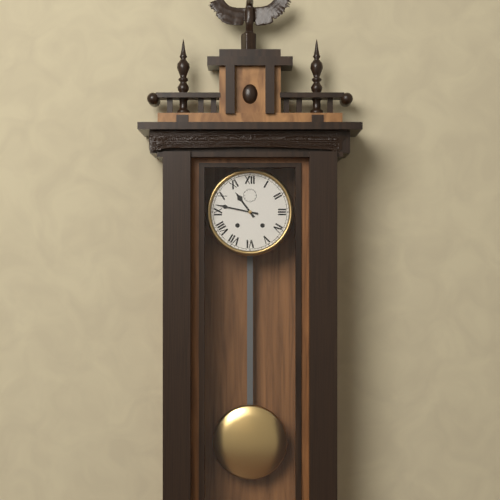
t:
10 h 47 min
